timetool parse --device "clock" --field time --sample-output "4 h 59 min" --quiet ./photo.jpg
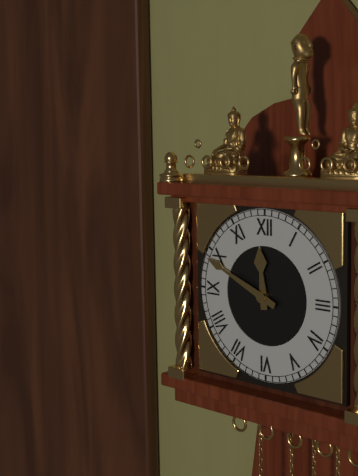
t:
11 h 49 min
